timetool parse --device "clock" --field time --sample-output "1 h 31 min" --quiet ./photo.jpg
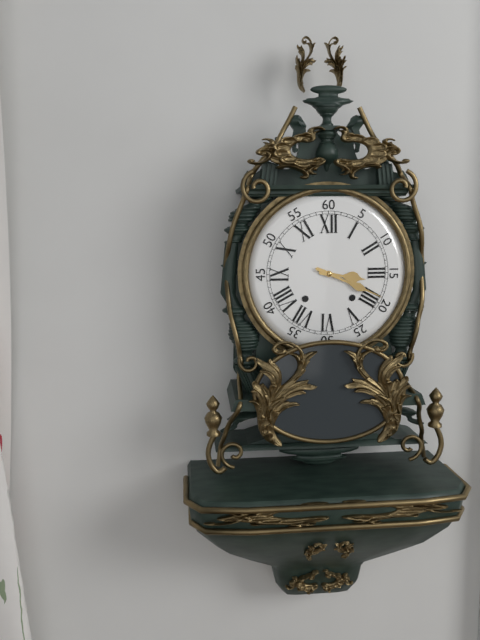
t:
3 h 19 min
